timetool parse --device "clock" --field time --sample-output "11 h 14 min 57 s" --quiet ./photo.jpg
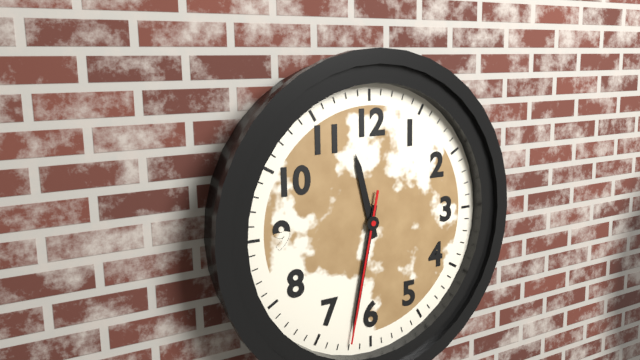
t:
11 h 32 min 32 s
